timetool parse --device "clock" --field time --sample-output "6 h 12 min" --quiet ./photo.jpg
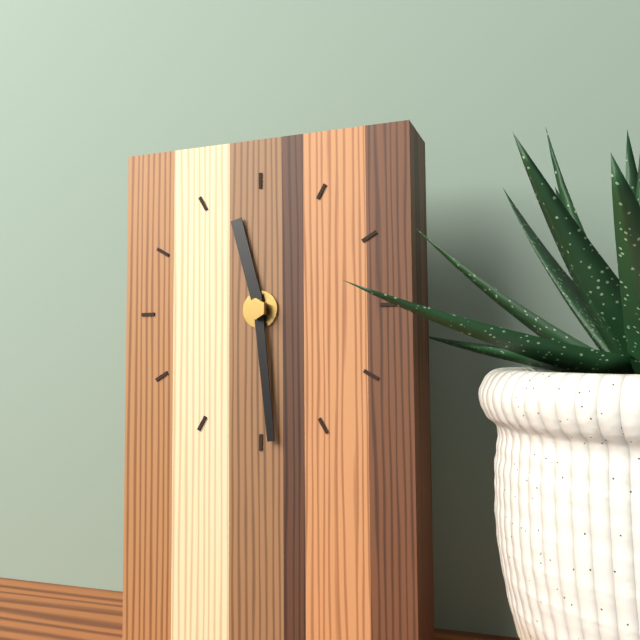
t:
11 h 29 min
